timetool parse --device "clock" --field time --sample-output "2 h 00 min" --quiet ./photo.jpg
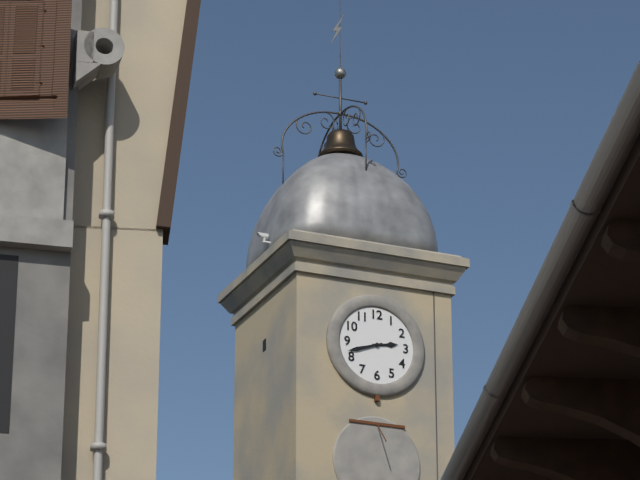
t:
2 h 42 min
